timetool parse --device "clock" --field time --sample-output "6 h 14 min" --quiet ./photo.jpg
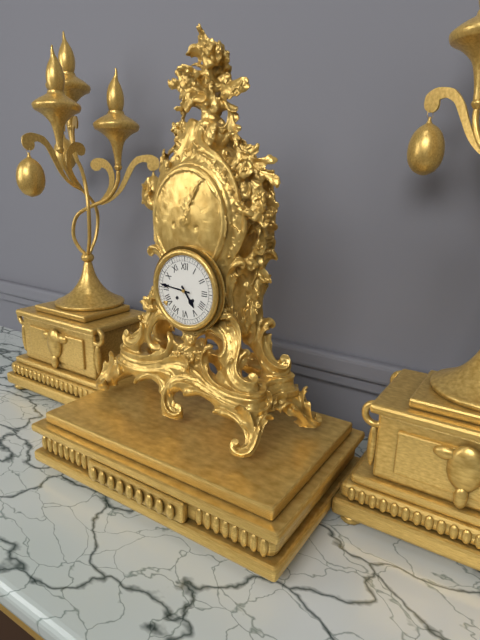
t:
4 h 46 min
